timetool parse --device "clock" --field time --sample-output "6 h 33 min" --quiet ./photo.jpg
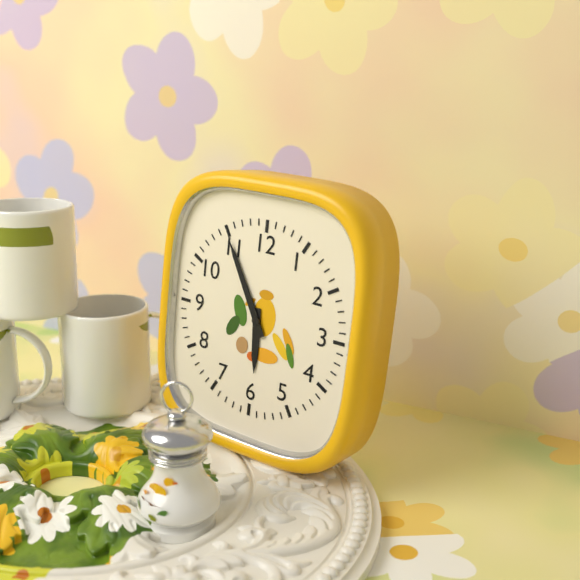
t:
5 h 55 min
